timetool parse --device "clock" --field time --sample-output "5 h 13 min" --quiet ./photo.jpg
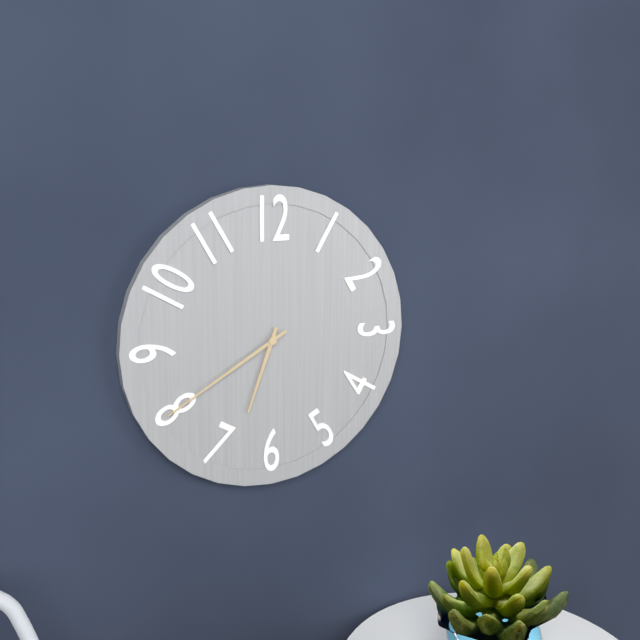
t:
6 h 40 min
